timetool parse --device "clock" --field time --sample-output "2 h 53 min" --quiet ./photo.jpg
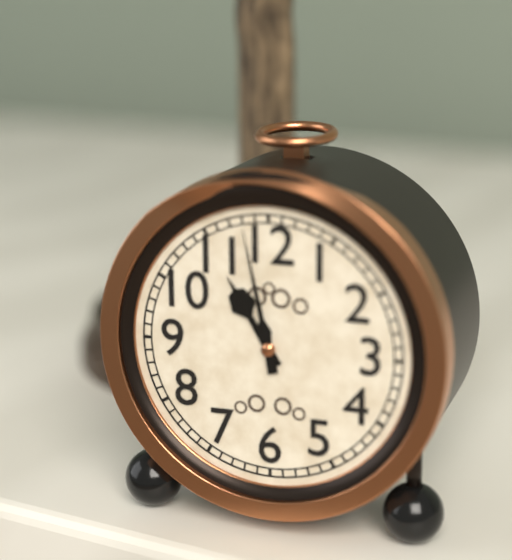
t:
10 h 58 min
